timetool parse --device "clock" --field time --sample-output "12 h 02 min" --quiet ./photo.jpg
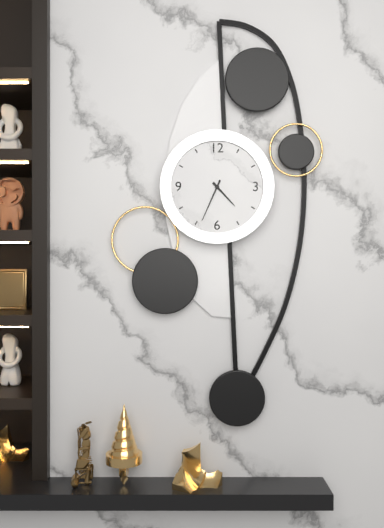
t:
4 h 34 min
